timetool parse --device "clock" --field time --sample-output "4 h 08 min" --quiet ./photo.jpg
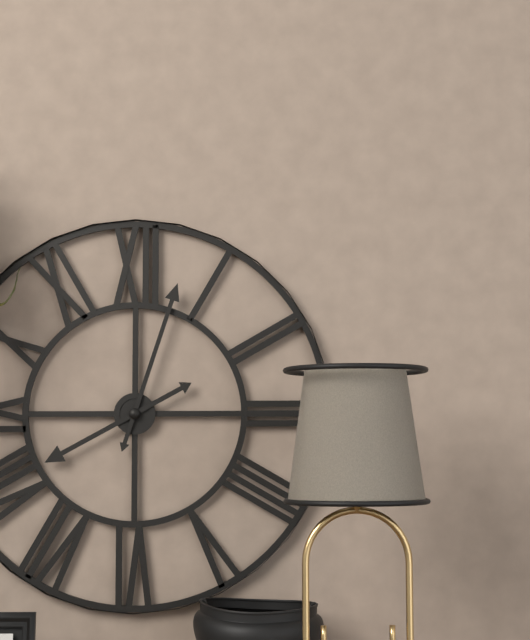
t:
8 h 03 min
